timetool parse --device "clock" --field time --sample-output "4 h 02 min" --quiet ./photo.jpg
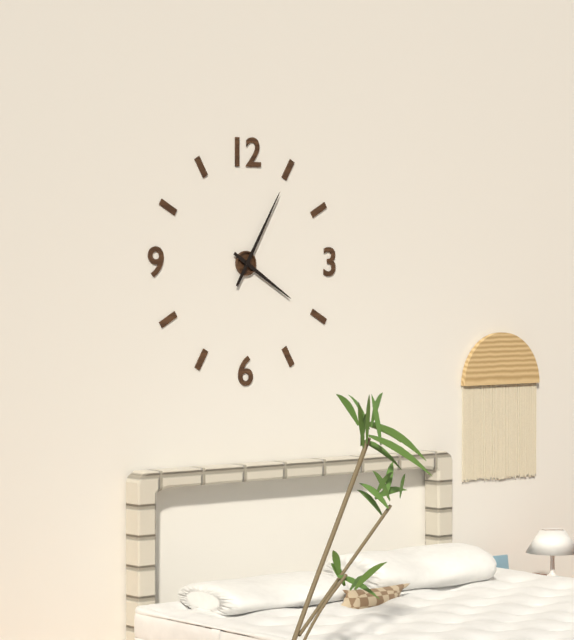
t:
4 h 05 min
